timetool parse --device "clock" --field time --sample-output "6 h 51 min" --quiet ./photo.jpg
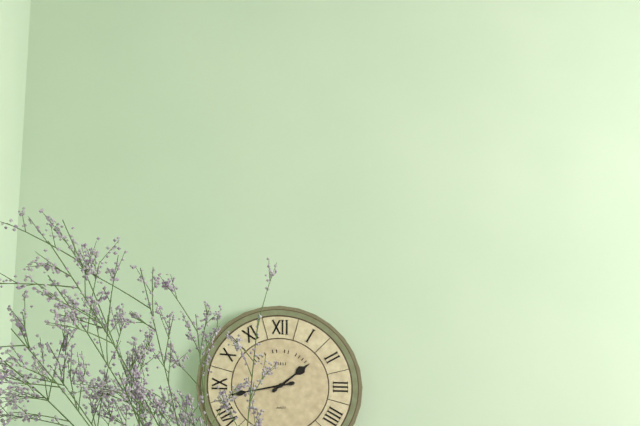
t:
1 h 43 min
